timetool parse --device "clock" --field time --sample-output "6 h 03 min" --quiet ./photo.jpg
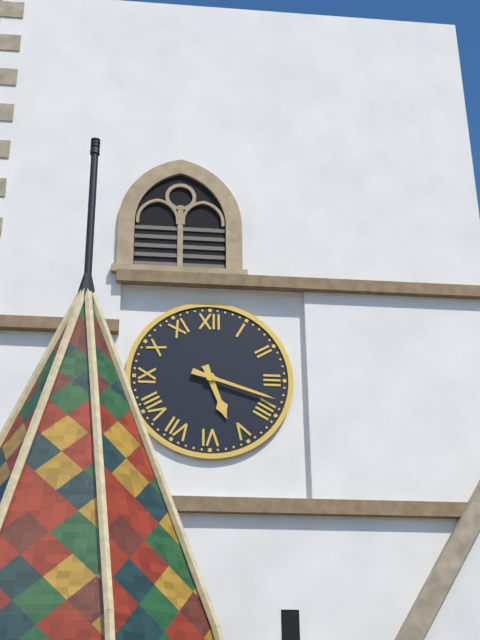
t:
5 h 18 min
